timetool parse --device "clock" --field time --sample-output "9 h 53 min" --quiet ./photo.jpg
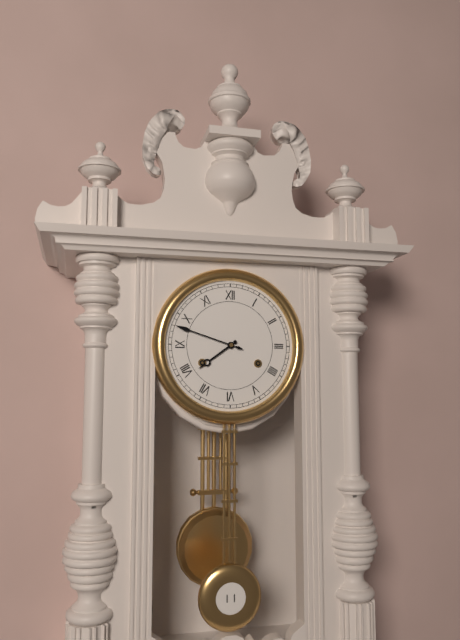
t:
7 h 48 min
